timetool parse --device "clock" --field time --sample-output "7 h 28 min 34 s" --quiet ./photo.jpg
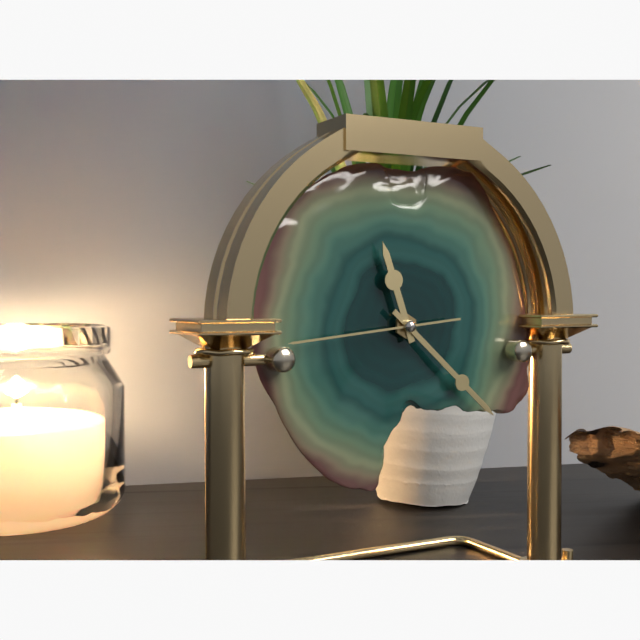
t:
11 h 22 min 44 s
